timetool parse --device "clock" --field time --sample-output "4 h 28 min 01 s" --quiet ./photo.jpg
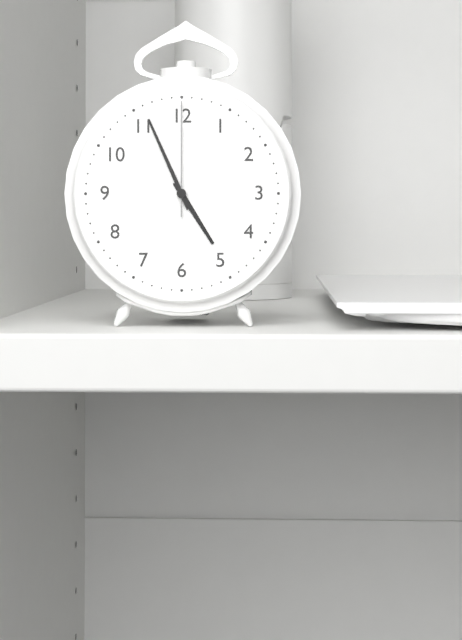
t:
4 h 56 min 00 s
